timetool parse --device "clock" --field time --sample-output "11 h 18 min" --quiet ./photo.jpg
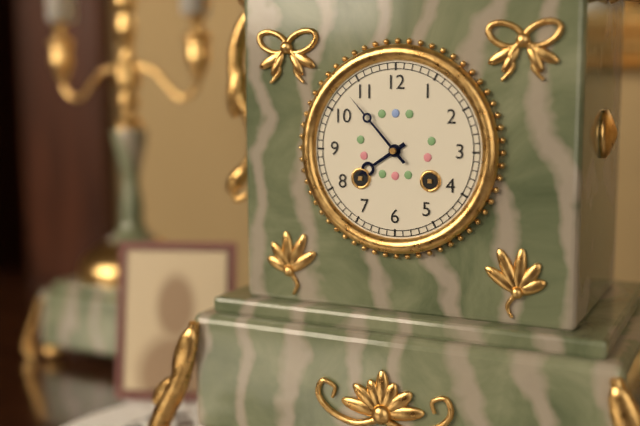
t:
7 h 53 min
